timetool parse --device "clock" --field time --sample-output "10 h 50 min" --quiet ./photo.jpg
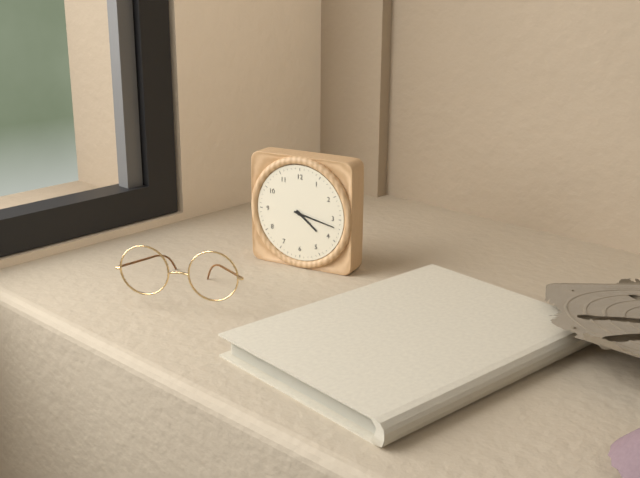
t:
4 h 17 min
